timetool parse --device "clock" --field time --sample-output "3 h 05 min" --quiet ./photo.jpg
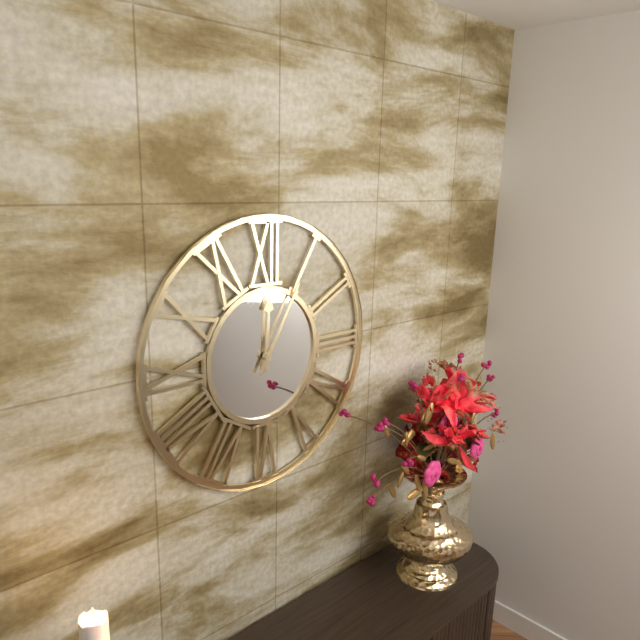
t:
12 h 05 min
